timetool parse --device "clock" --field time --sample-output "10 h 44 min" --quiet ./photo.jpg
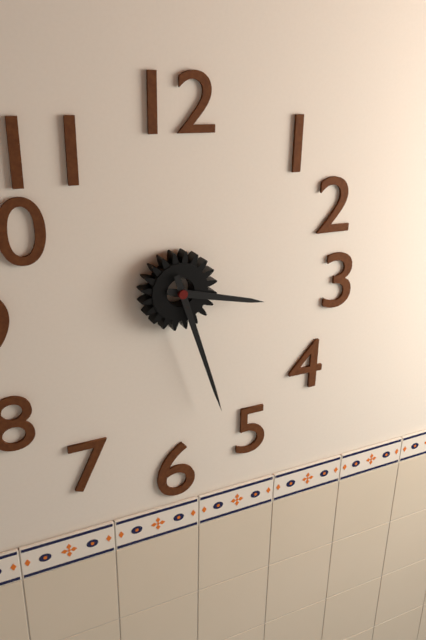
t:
3 h 27 min
